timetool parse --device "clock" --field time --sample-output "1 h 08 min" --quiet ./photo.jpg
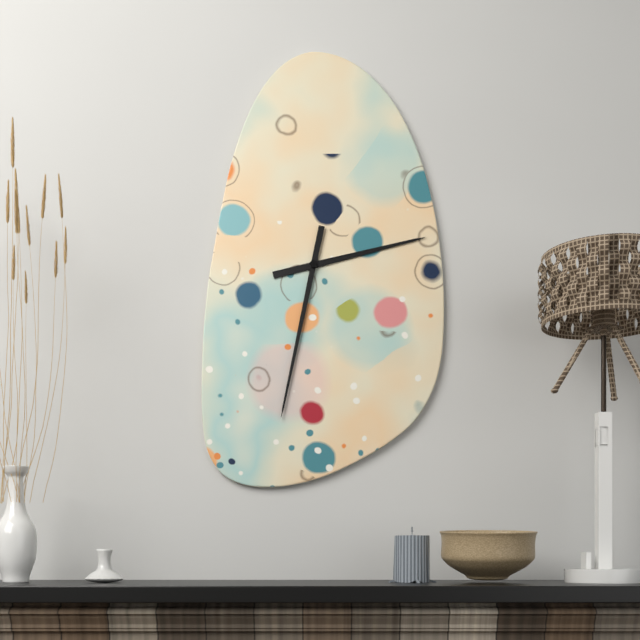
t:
2 h 32 min
